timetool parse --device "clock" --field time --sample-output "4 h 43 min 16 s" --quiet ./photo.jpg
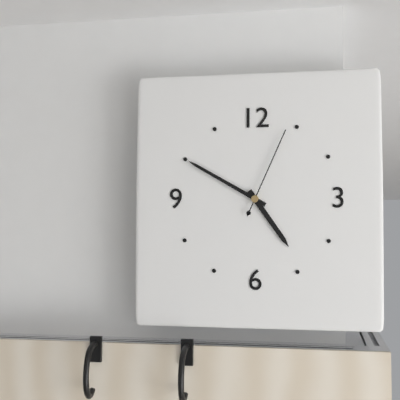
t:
4 h 50 min 04 s
